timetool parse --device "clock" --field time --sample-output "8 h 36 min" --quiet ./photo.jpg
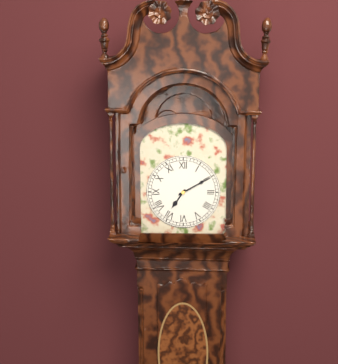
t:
7 h 10 min
